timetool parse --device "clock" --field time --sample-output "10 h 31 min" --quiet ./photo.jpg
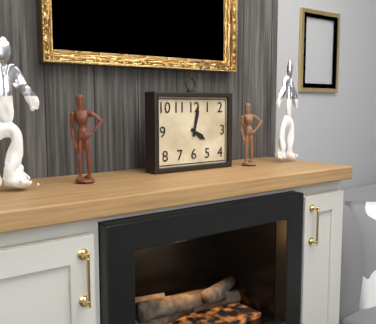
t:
4 h 02 min
